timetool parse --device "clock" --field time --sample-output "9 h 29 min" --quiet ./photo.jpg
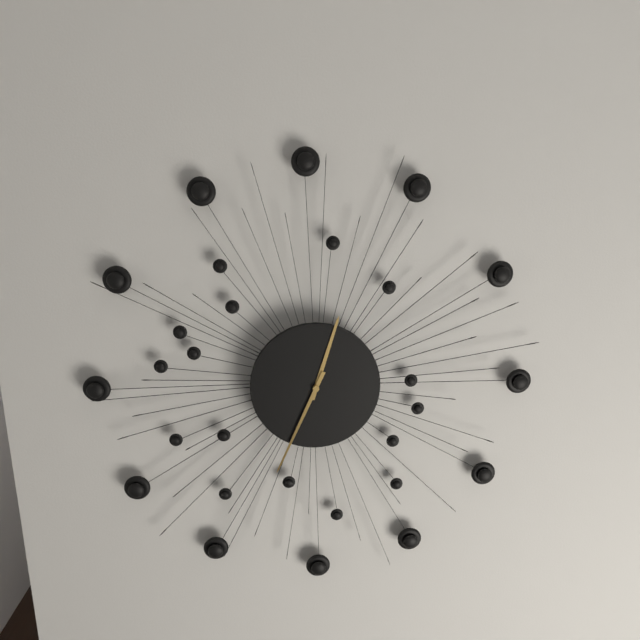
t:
12 h 34 min
